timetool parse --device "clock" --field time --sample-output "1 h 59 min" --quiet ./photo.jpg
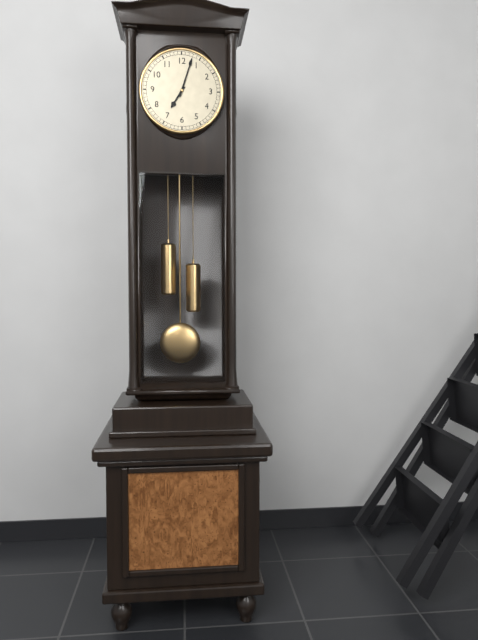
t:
7 h 03 min
